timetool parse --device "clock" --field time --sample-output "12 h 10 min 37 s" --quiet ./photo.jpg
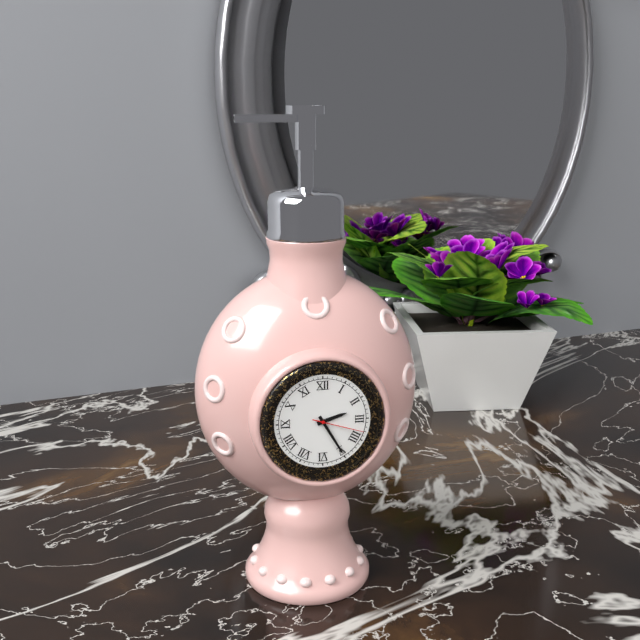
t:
2 h 25 min 18 s
